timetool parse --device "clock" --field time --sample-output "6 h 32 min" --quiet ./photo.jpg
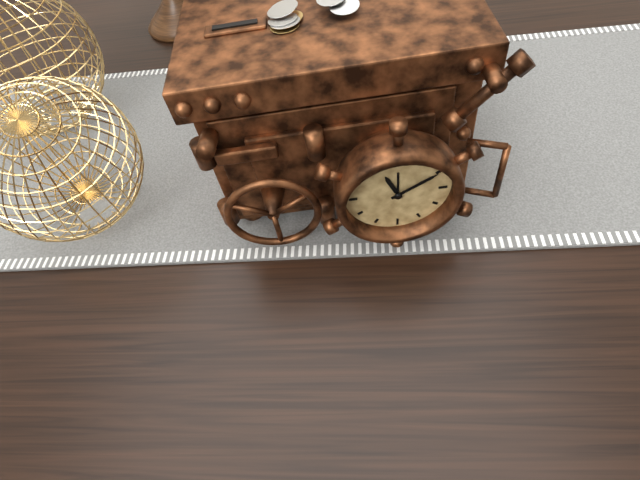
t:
11 h 10 min
